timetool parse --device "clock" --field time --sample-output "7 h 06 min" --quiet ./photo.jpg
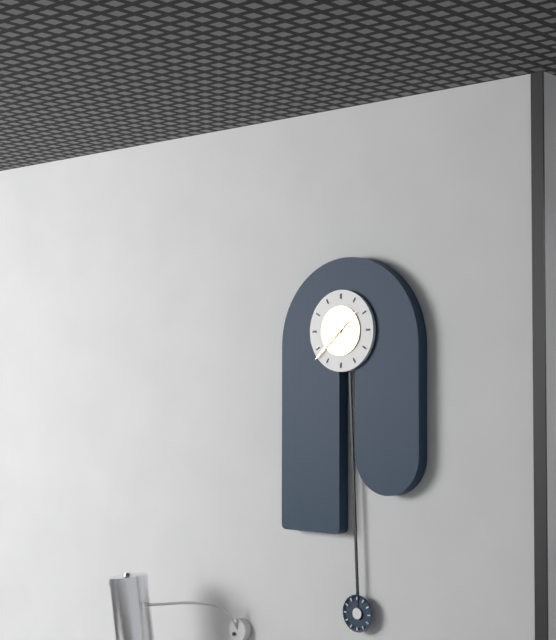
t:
1 h 38 min
